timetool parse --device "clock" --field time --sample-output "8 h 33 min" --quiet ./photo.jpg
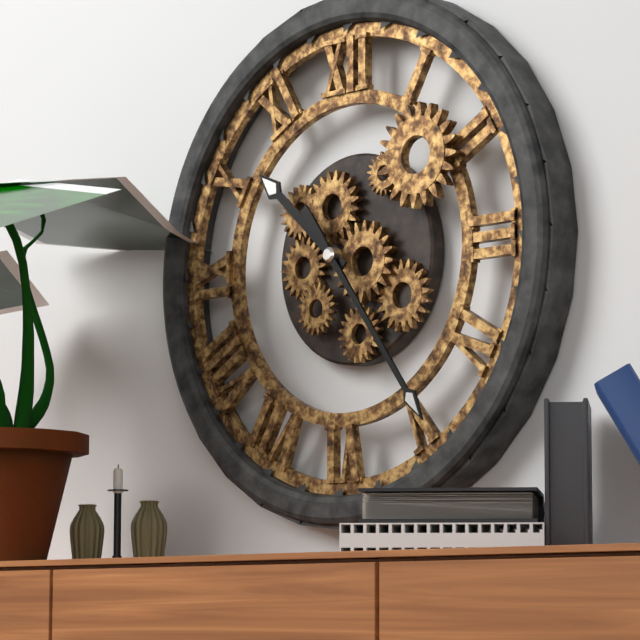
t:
10 h 24 min
